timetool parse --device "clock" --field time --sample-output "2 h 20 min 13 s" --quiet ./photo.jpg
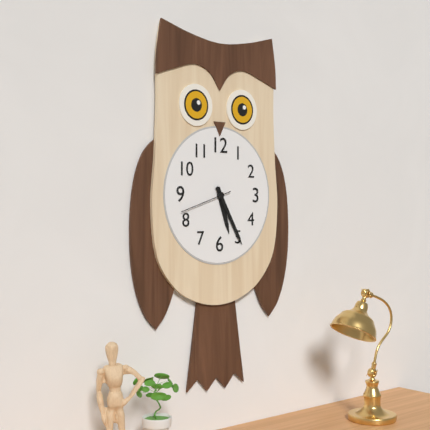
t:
5 h 25 min 42 s
